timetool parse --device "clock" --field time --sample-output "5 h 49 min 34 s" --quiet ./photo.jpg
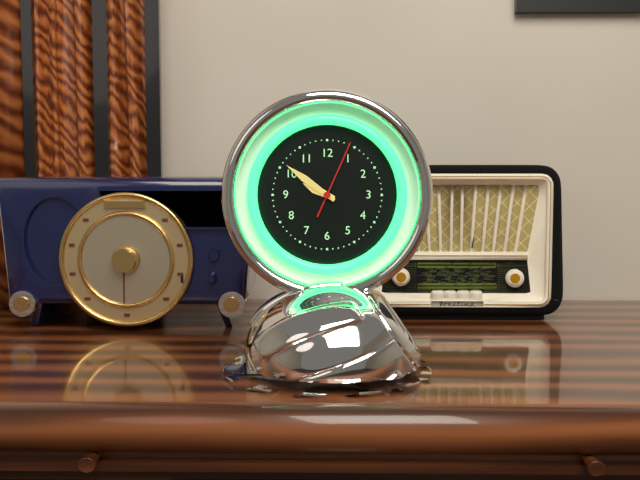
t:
9 h 51 min 04 s
